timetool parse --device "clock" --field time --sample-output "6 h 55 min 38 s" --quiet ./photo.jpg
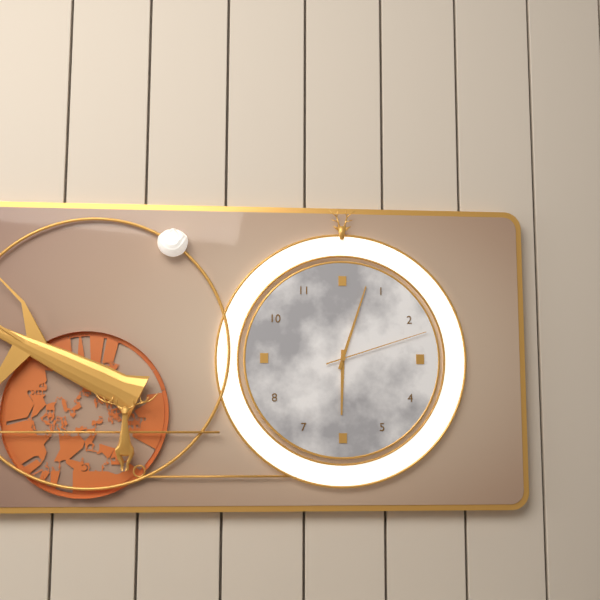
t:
6 h 03 min 12 s
